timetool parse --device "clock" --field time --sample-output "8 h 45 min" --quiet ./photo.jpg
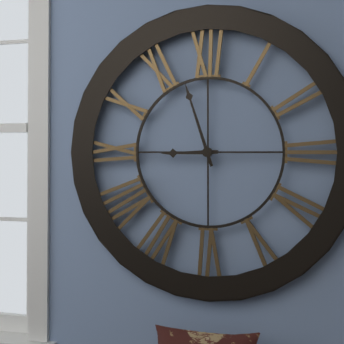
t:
8 h 57 min
